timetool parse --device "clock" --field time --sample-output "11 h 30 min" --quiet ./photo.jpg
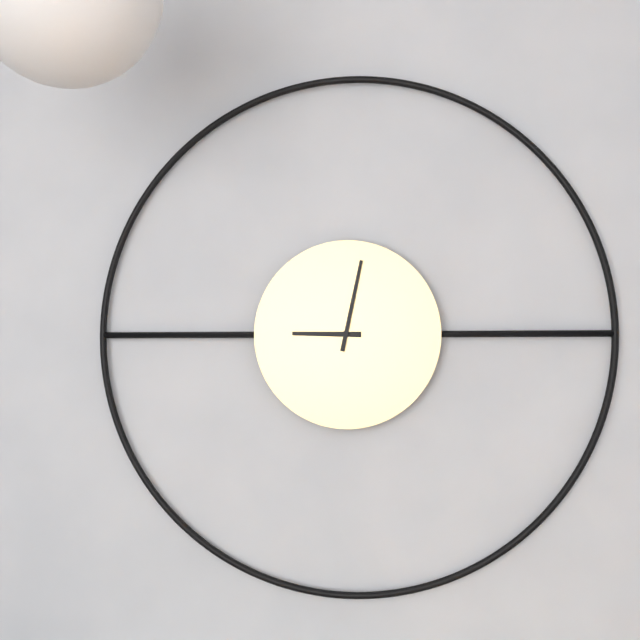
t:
9 h 02 min
